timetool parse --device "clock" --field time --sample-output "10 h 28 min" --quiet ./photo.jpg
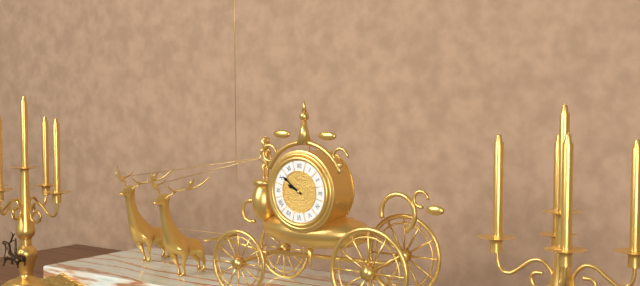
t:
9 h 51 min
